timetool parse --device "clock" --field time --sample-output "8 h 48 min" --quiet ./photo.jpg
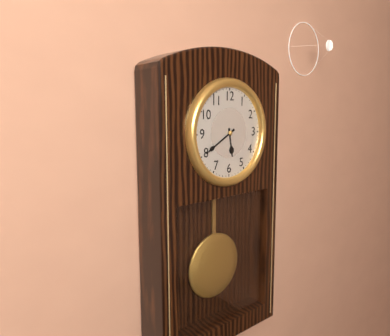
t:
5 h 40 min
